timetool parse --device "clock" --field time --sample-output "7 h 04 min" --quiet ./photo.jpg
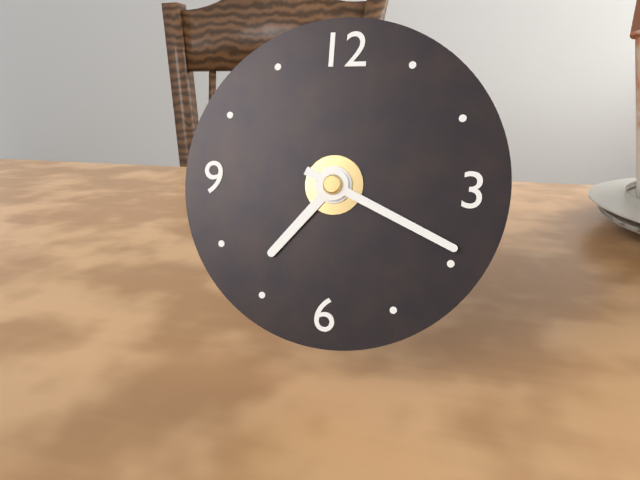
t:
7 h 19 min
